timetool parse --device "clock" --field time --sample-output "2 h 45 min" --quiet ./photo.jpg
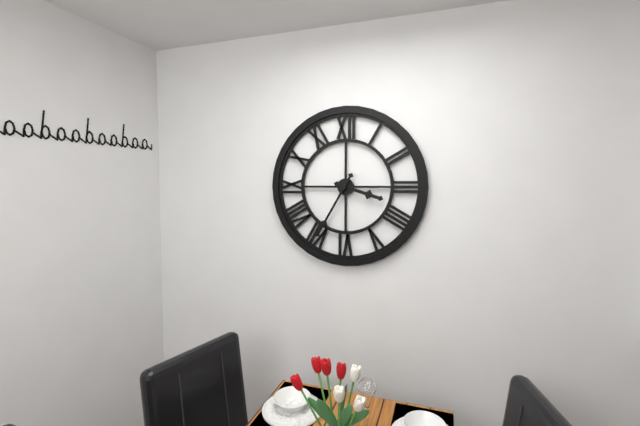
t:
3 h 35 min
